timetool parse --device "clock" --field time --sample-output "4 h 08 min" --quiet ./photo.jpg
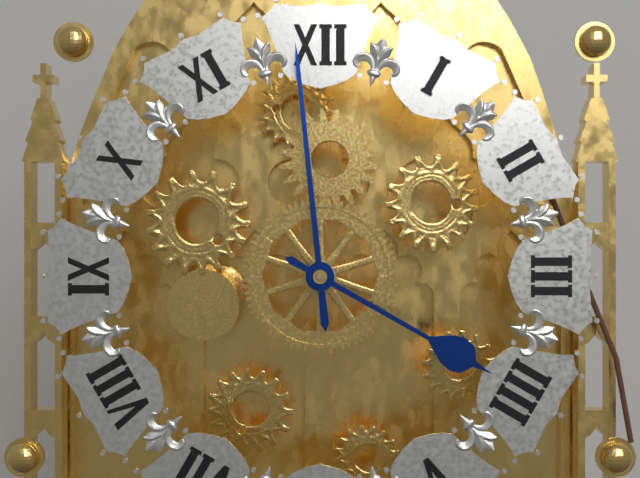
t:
3 h 59 min
